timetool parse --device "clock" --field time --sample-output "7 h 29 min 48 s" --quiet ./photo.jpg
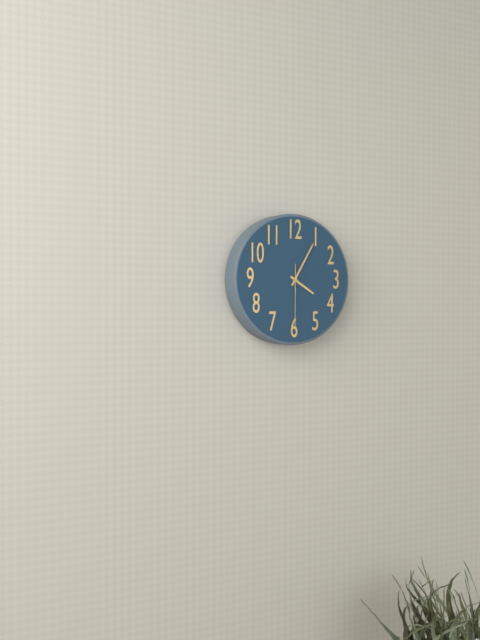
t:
4 h 05 min 30 s
